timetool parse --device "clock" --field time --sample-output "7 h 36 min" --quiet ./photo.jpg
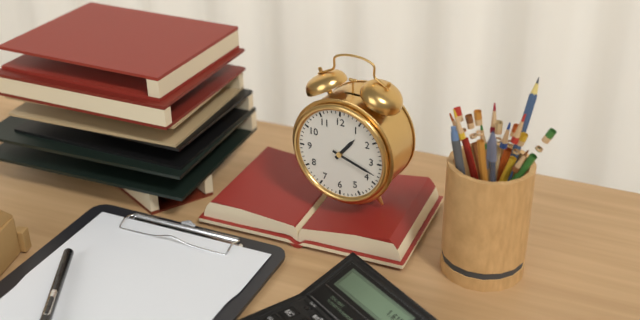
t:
1 h 18 min
